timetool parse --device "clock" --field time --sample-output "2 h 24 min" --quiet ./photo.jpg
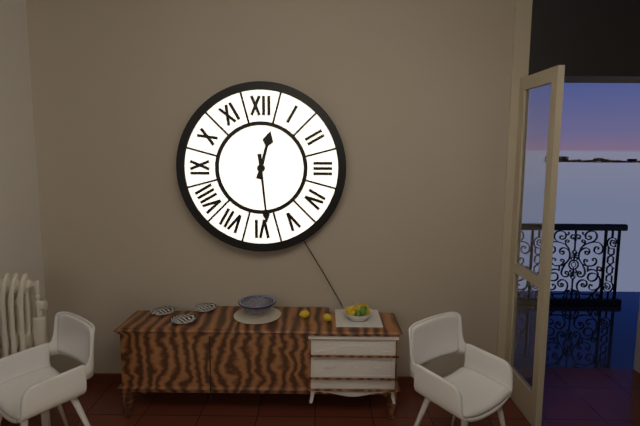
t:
12 h 29 min
